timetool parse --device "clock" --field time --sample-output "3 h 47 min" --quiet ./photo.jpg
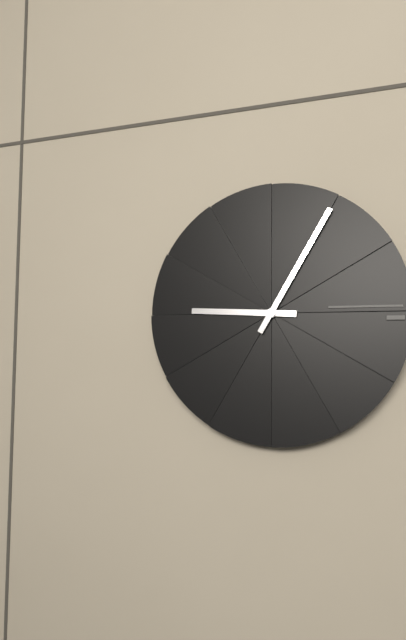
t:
9 h 05 min
